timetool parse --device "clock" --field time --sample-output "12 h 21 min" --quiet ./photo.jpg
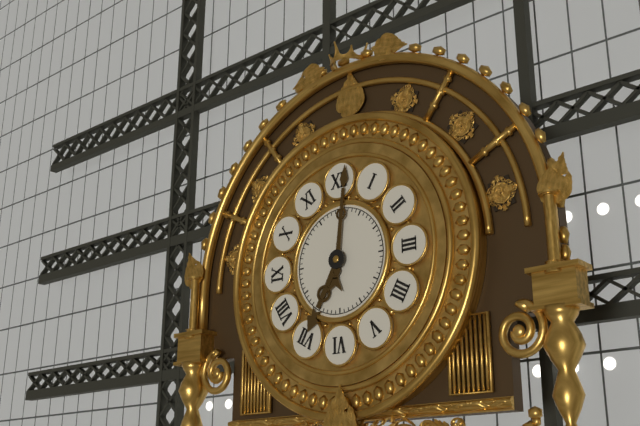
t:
7 h 01 min
